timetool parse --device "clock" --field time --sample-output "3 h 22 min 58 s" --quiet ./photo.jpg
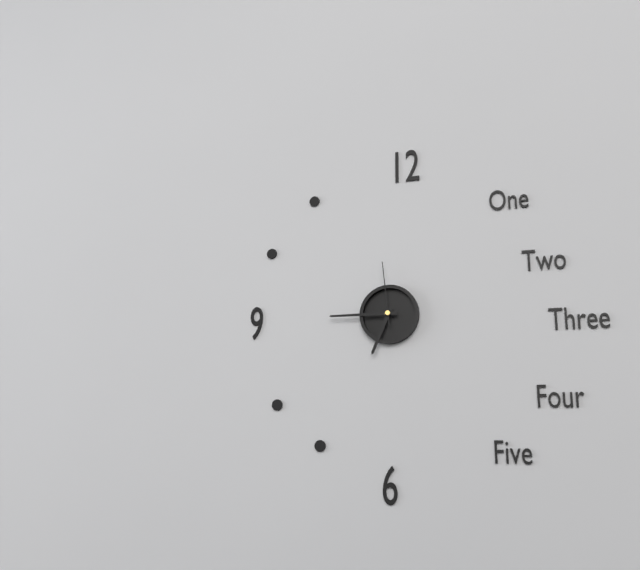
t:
6 h 45 min 59 s
